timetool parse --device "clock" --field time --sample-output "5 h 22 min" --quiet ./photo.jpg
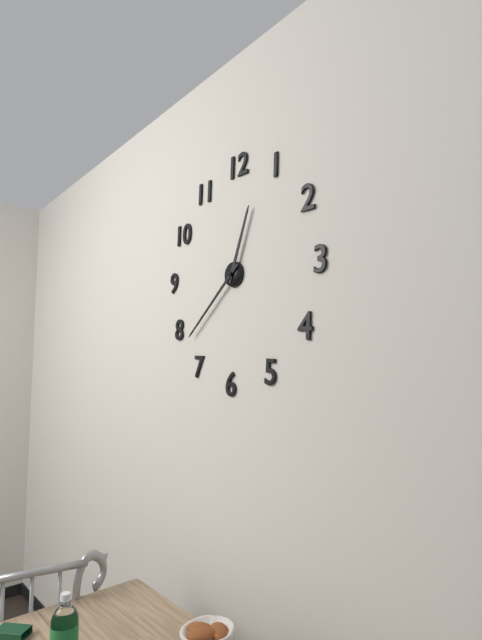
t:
12 h 38 min
